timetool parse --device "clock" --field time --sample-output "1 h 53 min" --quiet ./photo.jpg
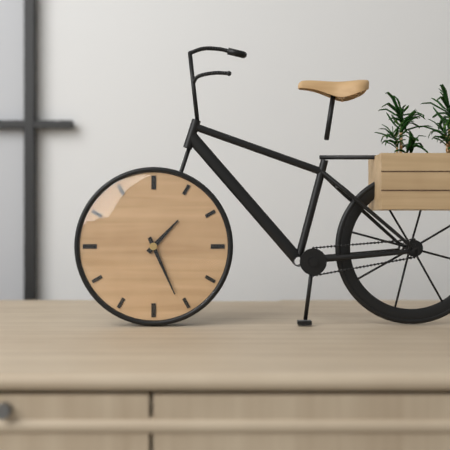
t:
1 h 26 min
